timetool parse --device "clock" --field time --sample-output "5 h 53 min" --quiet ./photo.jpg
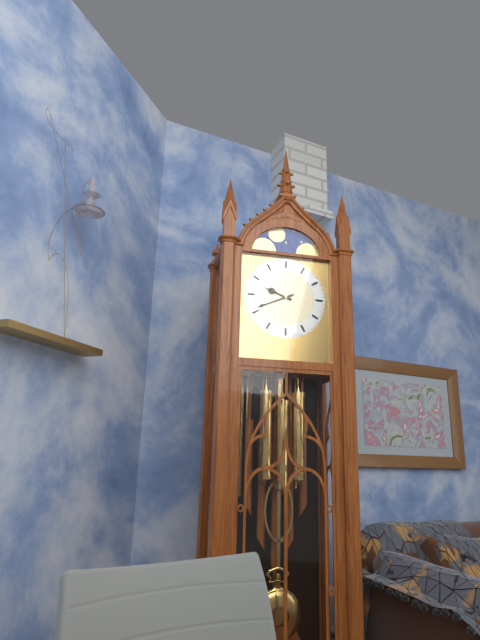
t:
9 h 41 min
